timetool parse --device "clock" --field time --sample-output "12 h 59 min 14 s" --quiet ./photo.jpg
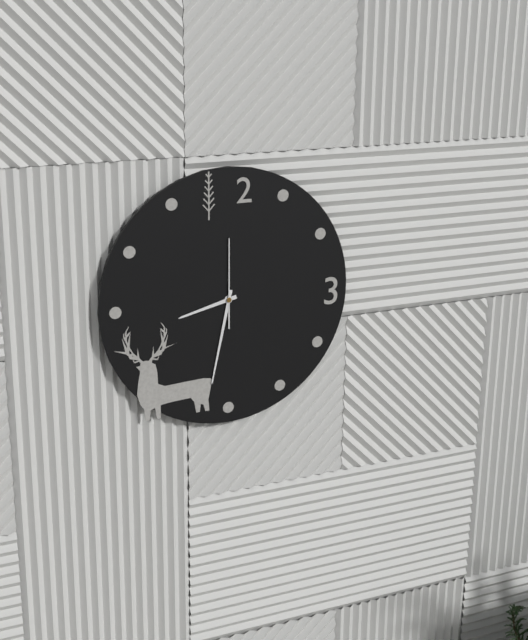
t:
8 h 32 min 00 s
